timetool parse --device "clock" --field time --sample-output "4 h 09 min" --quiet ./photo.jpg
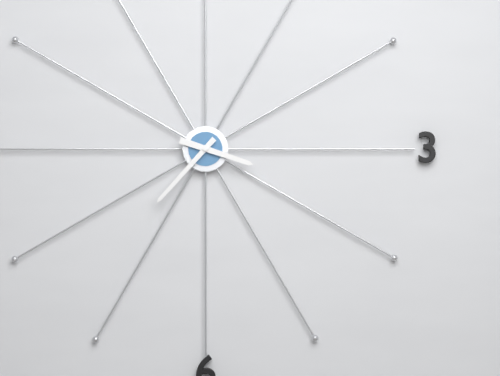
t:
3 h 37 min
